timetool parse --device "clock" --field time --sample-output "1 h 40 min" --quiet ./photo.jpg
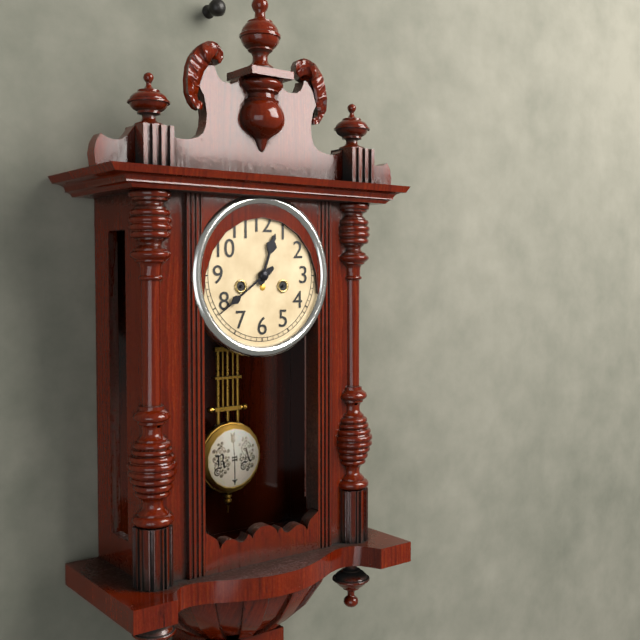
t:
12 h 39 min
